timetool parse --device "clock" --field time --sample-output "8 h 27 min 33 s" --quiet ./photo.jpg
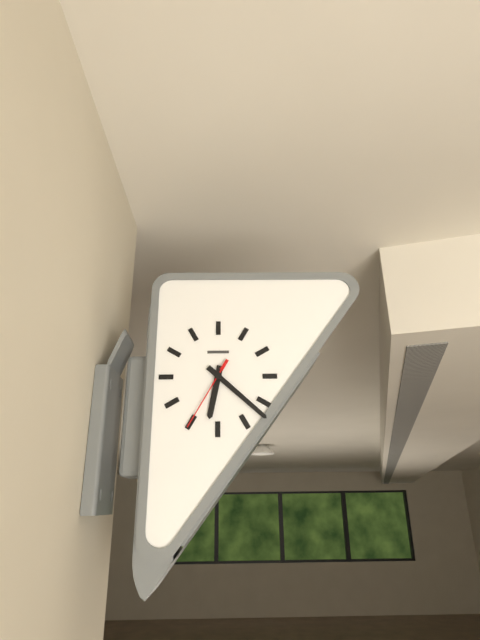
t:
6 h 22 min 35 s
